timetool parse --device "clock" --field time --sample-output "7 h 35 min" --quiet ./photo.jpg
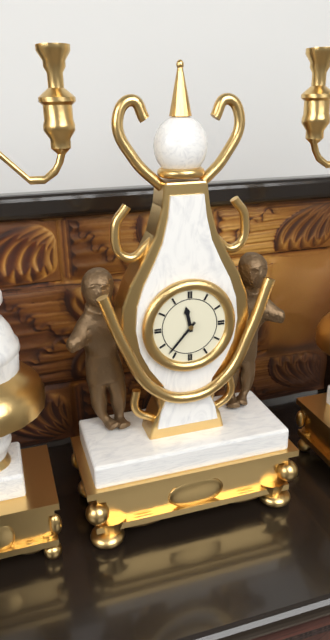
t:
11 h 37 min
